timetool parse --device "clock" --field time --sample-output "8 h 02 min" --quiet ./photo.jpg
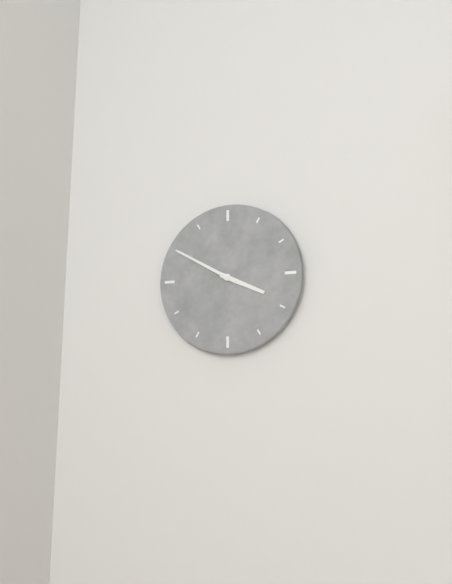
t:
3 h 50 min
